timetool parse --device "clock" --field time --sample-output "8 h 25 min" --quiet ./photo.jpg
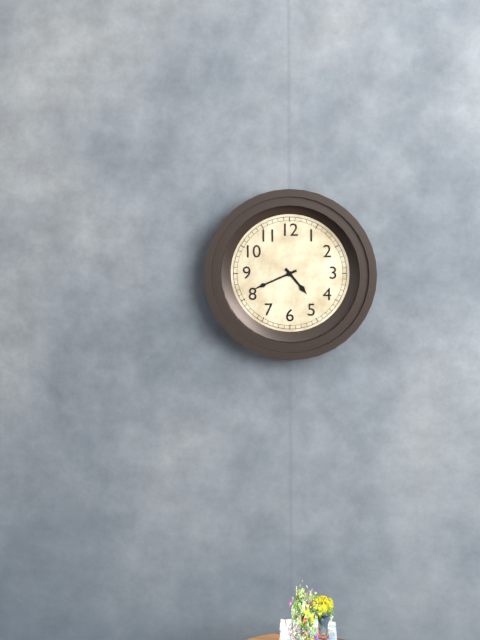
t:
4 h 41 min
